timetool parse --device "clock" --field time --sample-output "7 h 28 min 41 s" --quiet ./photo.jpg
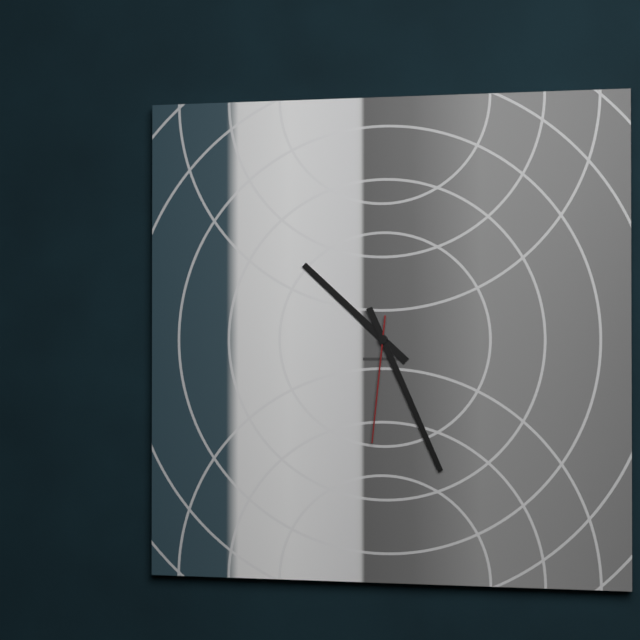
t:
10 h 26 min 31 s
